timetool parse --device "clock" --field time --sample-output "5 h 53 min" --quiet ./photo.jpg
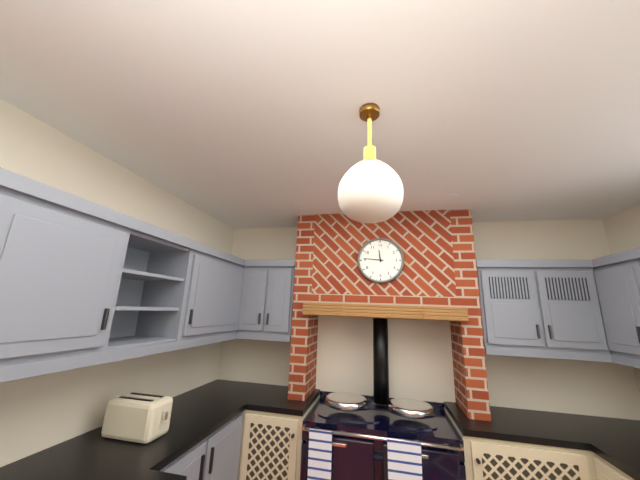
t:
11 h 46 min
